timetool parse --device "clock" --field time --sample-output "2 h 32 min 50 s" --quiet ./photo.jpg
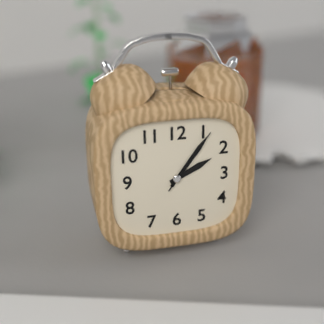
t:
2 h 06 min 06 s
